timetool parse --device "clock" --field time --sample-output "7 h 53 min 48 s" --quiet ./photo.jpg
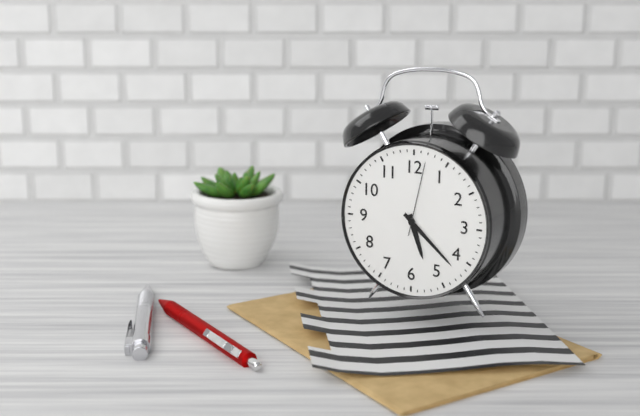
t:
5 h 22 min 02 s
